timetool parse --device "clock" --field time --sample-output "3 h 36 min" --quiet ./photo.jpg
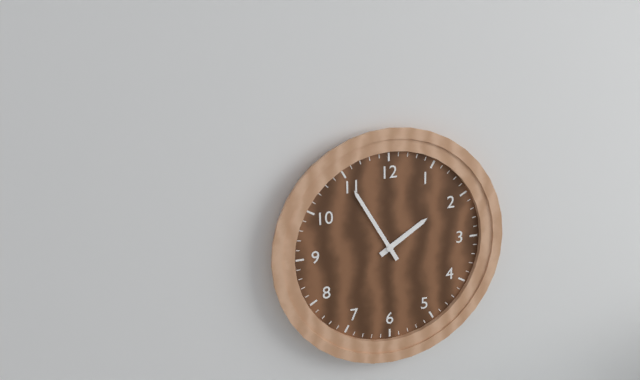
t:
1 h 55 min
